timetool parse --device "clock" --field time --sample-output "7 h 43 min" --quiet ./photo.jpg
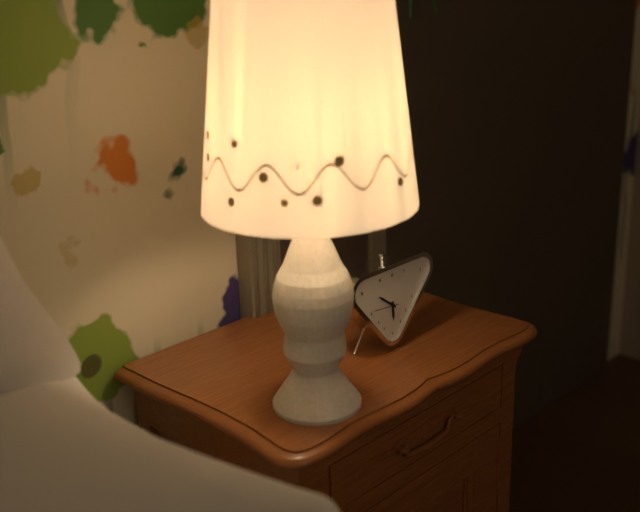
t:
5 h 51 min
